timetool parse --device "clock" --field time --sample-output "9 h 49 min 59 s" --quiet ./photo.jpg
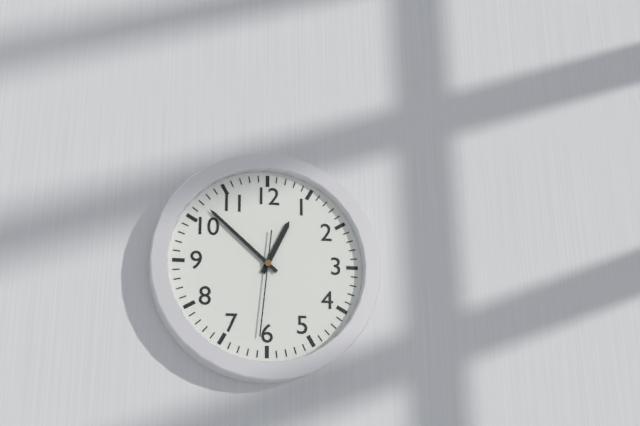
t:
12 h 52 min 31 s
